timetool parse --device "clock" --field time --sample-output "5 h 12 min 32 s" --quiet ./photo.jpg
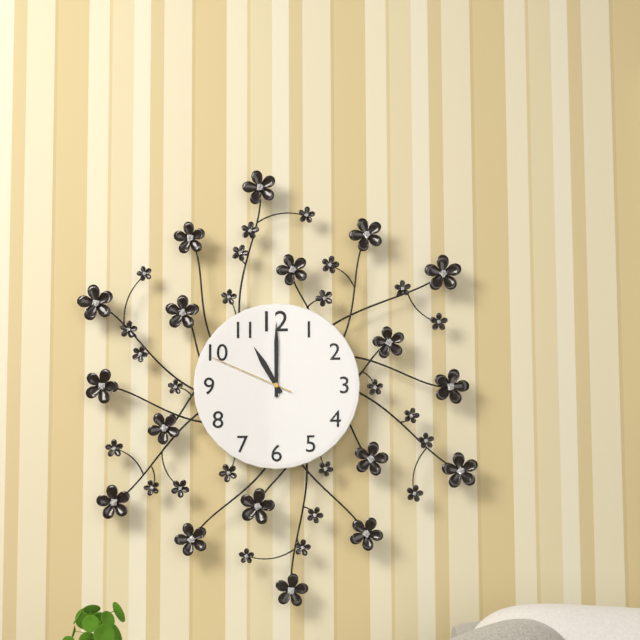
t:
11 h 00 min 49 s
